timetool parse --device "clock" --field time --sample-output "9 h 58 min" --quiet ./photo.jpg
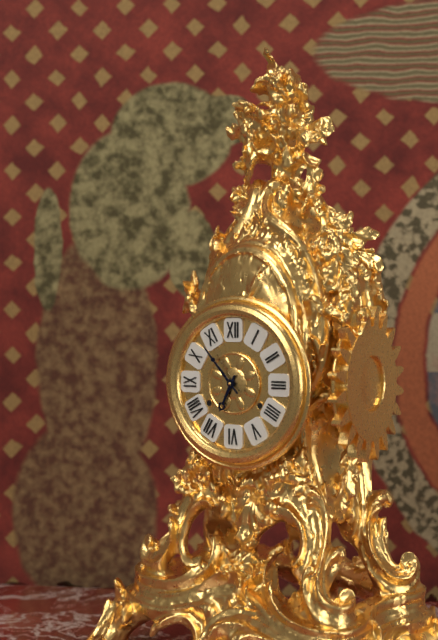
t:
6 h 53 min
